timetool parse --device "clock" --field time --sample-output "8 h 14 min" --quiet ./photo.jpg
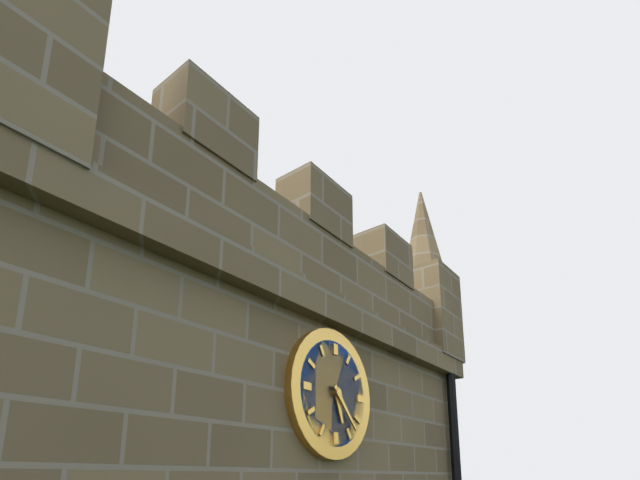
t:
5 h 23 min
